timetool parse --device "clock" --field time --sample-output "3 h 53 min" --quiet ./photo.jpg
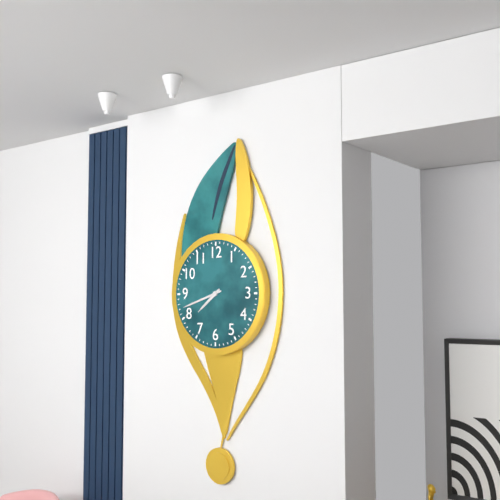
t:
7 h 42 min
